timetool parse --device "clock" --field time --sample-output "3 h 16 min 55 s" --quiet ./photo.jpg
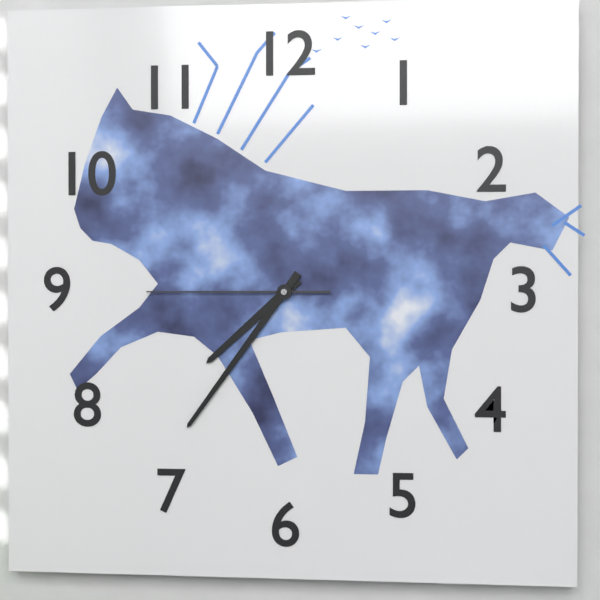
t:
7 h 36 min 45 s
